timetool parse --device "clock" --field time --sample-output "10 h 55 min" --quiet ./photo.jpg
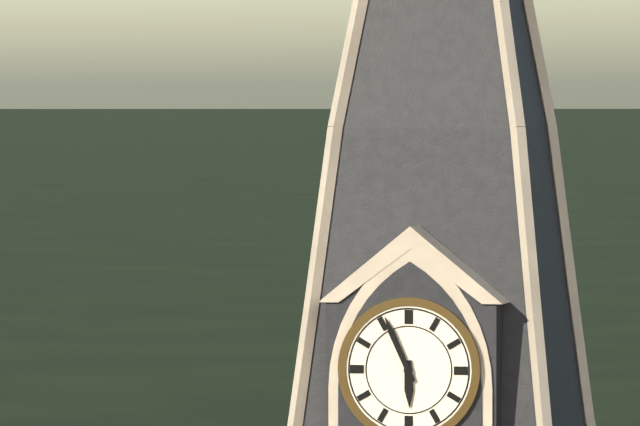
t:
5 h 56 min
